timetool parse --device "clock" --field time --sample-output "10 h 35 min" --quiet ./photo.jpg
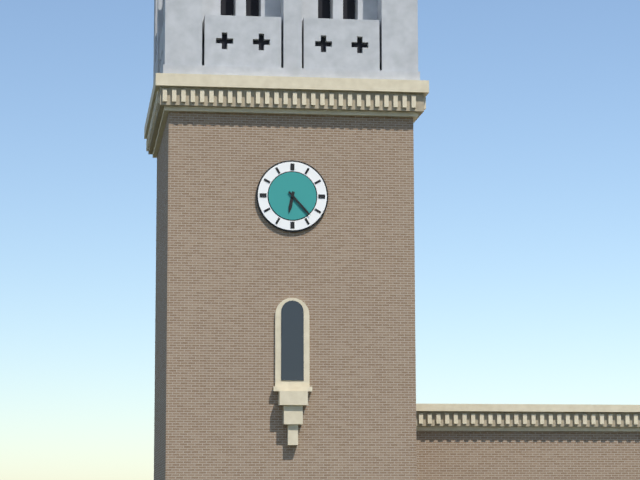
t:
6 h 23 min
